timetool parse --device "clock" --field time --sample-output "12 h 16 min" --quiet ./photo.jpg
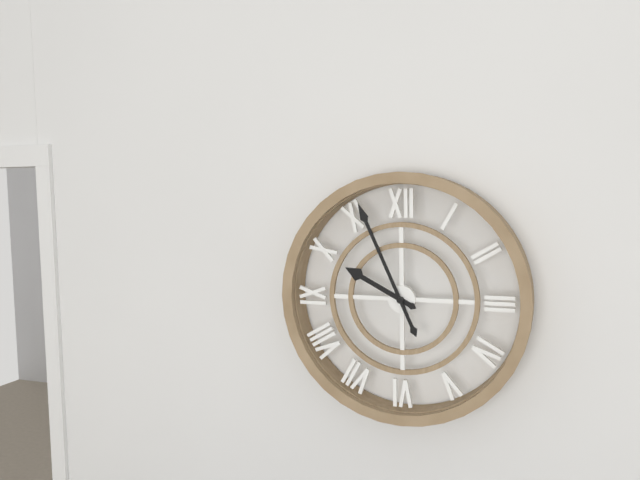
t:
9 h 56 min
